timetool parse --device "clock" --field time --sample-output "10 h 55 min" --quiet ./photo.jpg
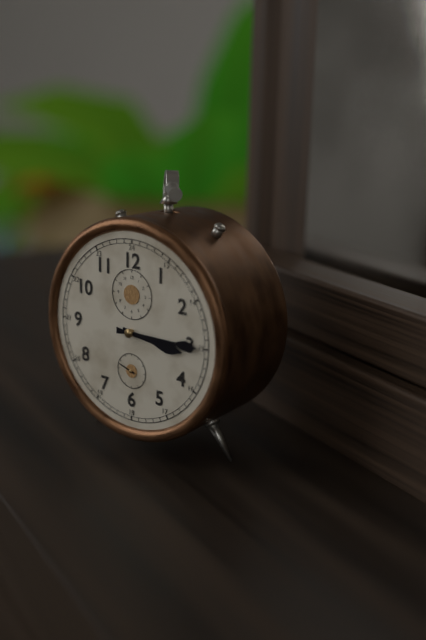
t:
3 h 15 min
